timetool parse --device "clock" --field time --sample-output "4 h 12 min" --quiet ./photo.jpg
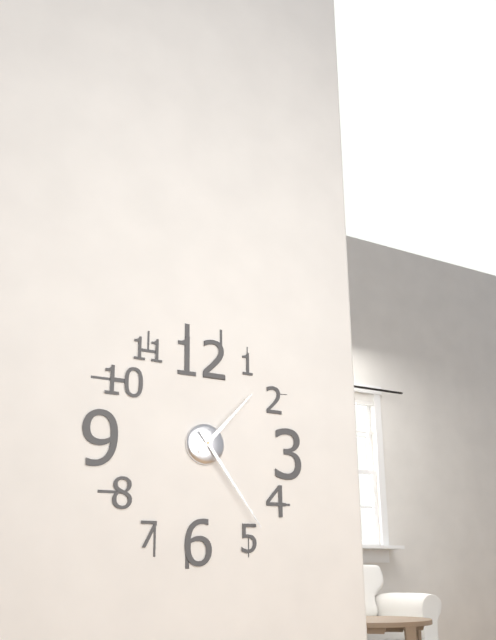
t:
1 h 24 min
